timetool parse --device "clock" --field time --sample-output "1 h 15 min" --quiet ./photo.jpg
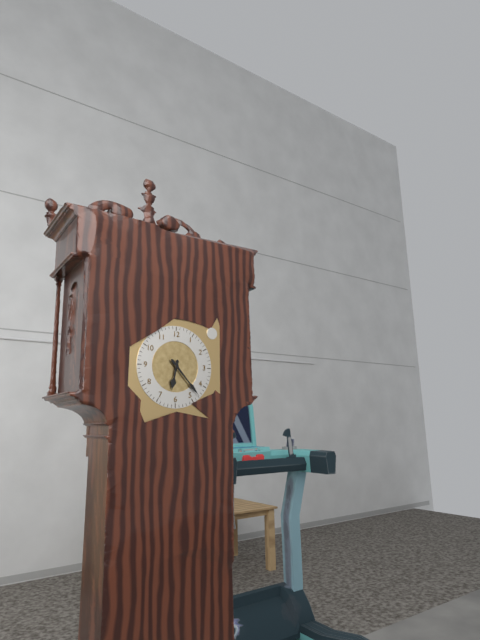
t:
6 h 23 min
